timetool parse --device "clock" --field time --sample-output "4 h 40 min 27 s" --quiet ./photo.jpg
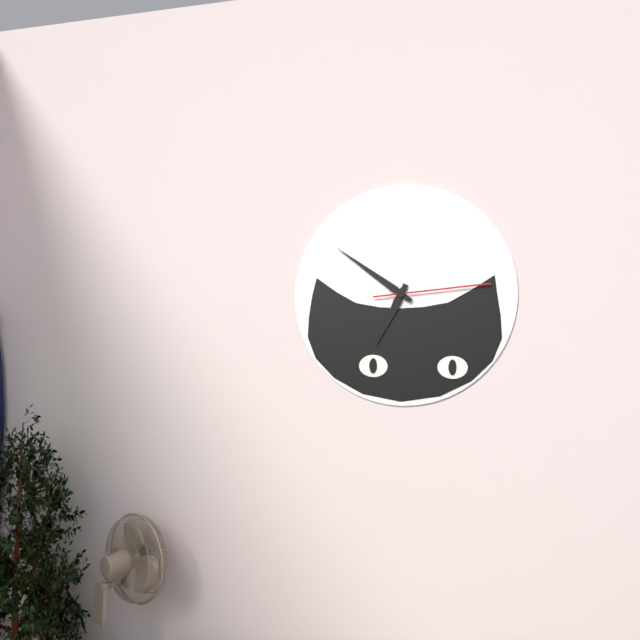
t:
6 h 51 min 14 s
